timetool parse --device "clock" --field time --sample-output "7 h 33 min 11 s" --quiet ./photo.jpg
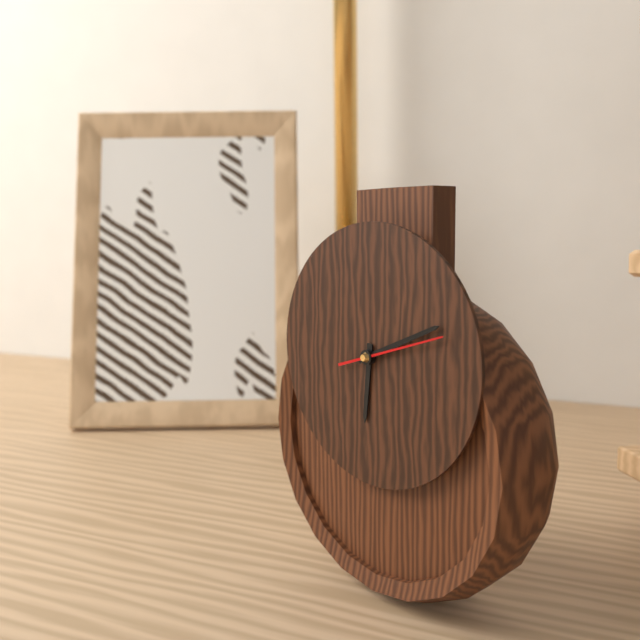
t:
6 h 11 min 12 s
